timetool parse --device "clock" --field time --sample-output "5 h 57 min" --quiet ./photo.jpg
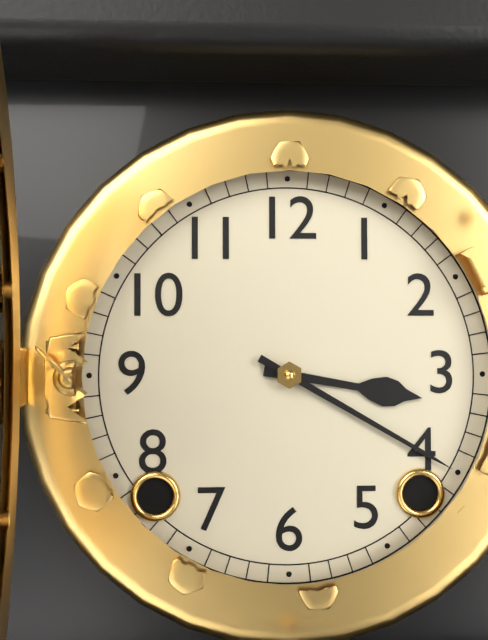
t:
3 h 20 min
